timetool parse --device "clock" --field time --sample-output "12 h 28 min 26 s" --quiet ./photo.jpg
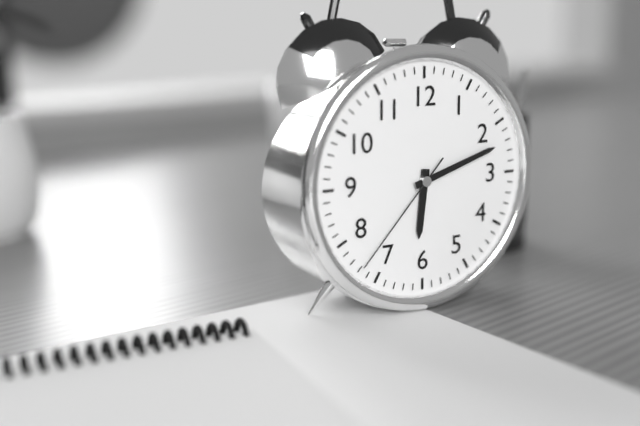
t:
6 h 12 min 37 s
